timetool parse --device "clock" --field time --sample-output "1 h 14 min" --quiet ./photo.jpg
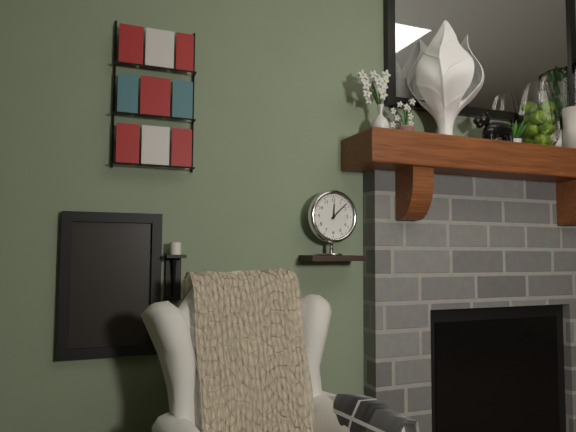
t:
12 h 08 min
